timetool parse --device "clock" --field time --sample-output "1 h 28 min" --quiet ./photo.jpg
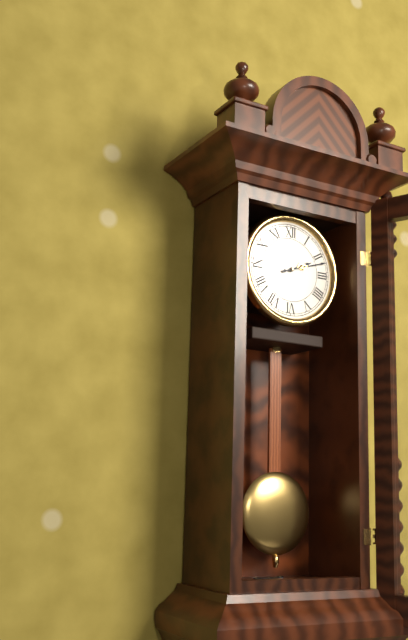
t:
2 h 12 min
